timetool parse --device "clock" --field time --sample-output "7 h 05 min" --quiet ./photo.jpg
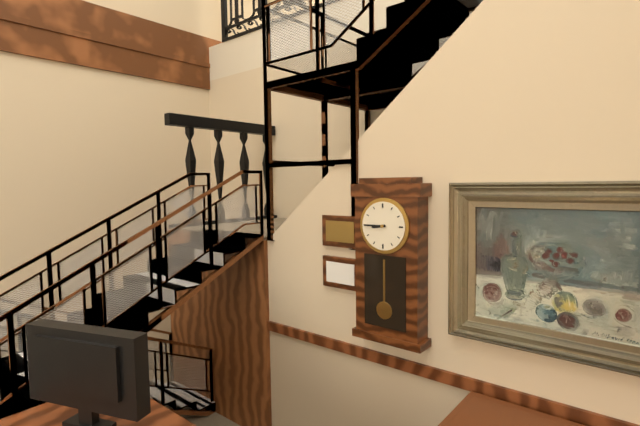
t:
8 h 45 min
